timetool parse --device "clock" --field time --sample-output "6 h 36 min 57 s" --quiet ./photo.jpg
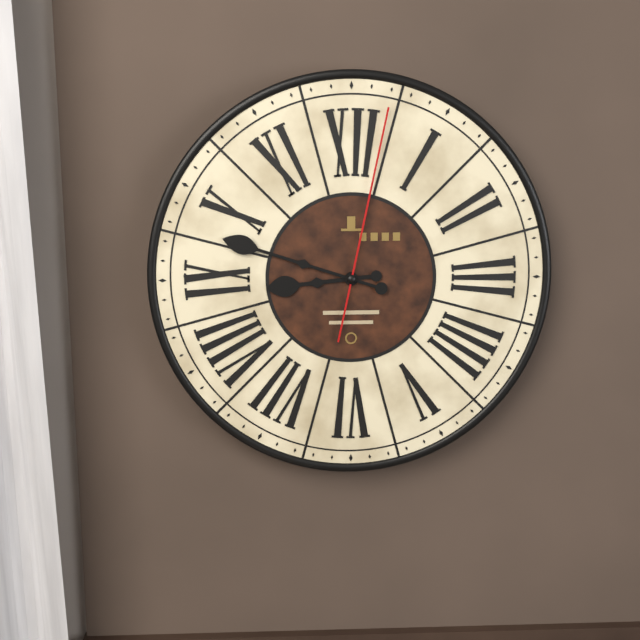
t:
8 h 48 min 02 s
